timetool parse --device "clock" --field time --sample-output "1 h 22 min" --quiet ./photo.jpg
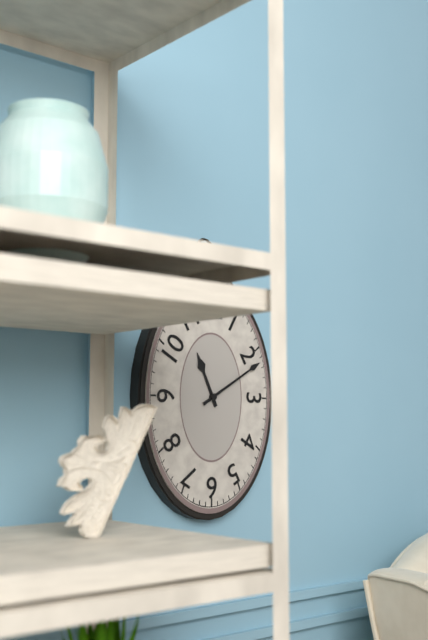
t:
11 h 10 min
